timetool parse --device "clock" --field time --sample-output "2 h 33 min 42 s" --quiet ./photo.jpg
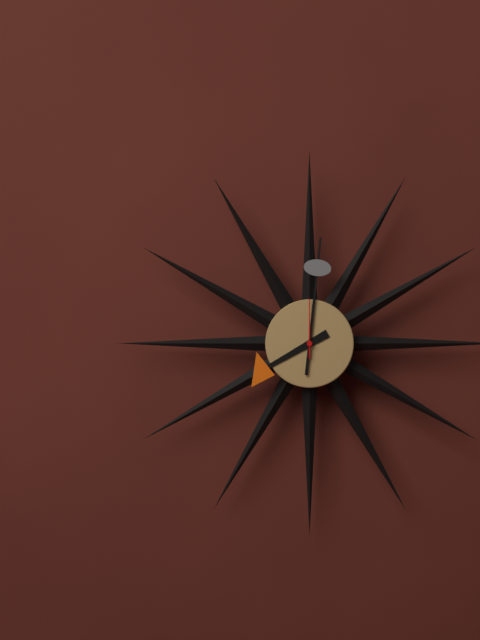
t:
8 h 01 min 00 s
